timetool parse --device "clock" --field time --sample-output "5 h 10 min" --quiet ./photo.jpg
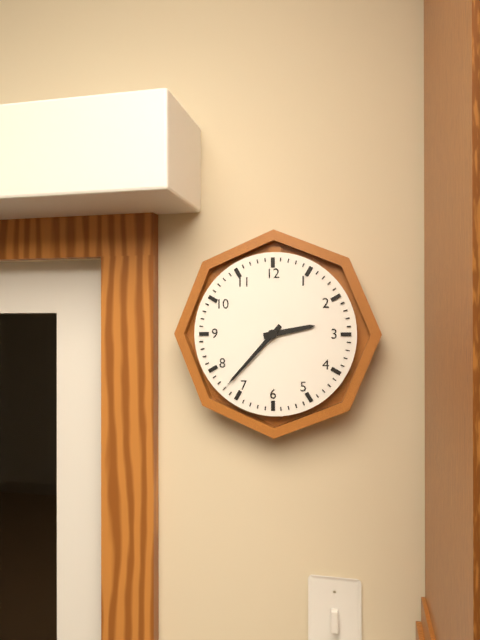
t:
2 h 37 min
